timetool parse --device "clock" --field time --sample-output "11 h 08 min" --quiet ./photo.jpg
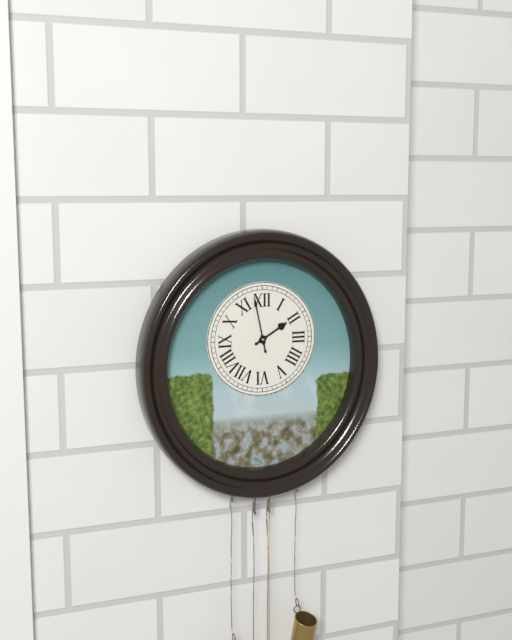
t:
1 h 58 min
